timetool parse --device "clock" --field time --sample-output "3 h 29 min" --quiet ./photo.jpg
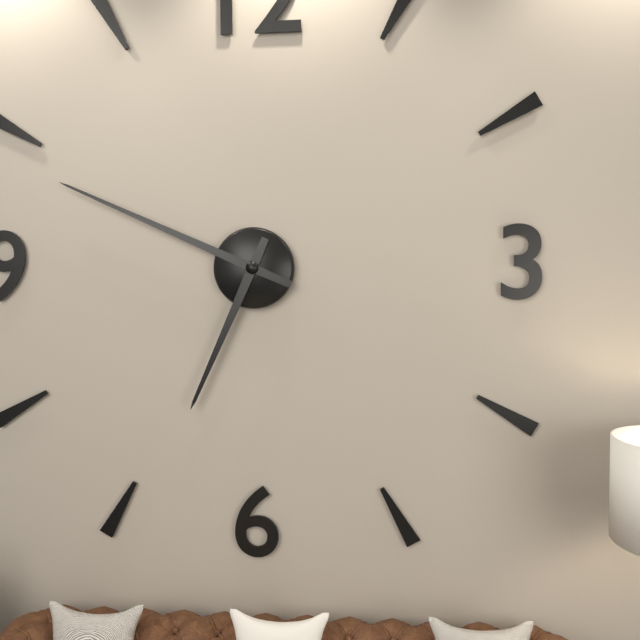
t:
6 h 49 min
